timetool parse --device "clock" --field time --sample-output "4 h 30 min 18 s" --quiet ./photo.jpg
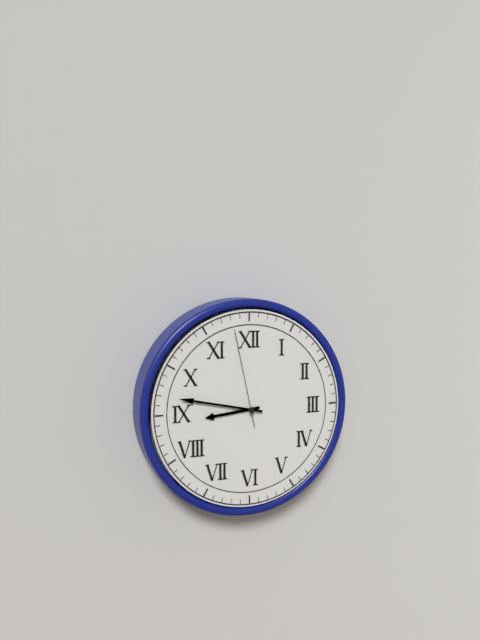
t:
8 h 47 min 58 s
